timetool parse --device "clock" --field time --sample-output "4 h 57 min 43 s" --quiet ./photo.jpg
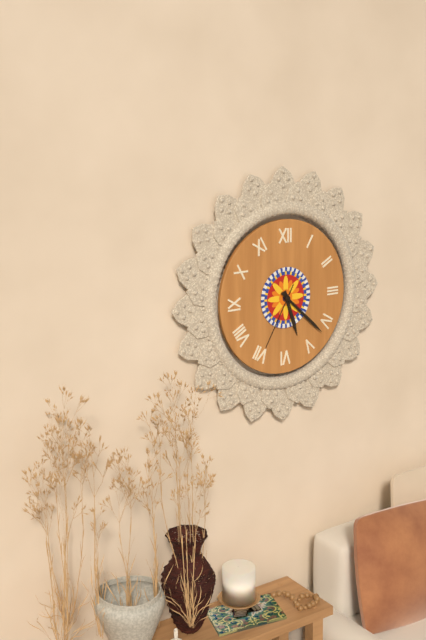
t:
5 h 22 min 35 s
